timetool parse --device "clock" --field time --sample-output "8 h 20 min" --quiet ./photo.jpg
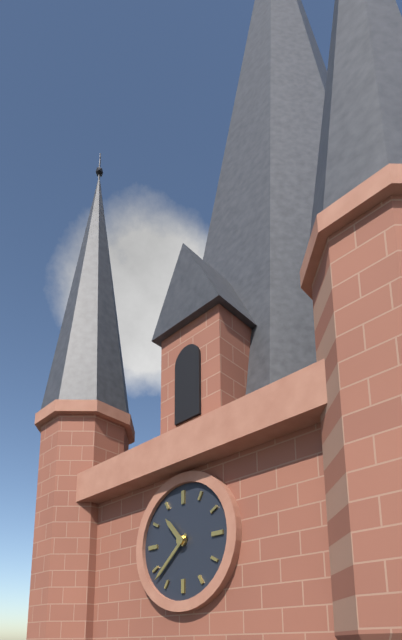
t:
10 h 38 min
